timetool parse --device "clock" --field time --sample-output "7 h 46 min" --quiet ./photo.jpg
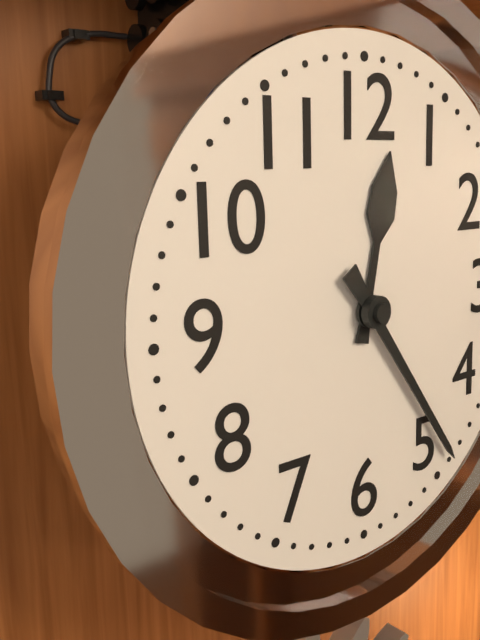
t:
12 h 24 min
